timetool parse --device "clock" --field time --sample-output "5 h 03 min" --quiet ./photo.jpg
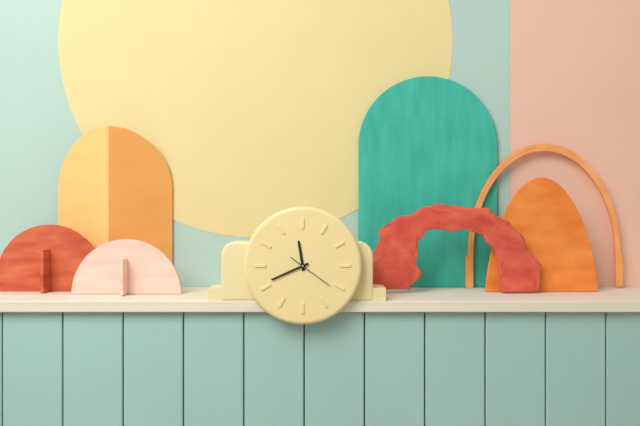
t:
11 h 41 min
